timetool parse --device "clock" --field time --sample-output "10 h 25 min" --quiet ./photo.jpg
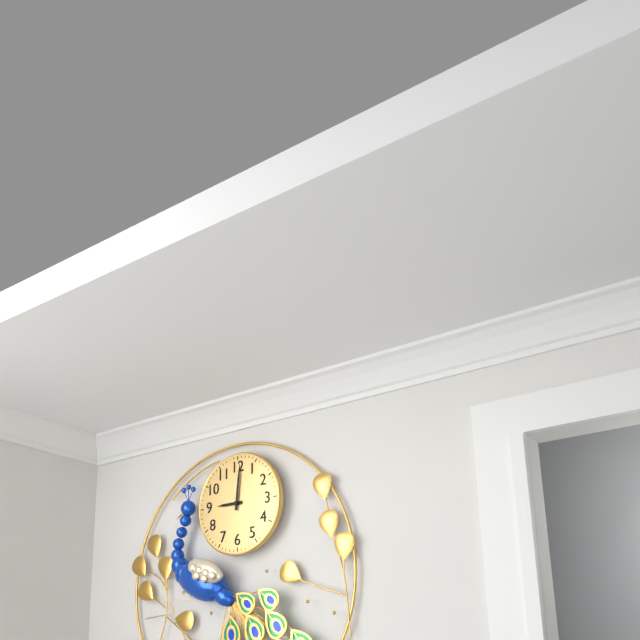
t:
9 h 01 min
